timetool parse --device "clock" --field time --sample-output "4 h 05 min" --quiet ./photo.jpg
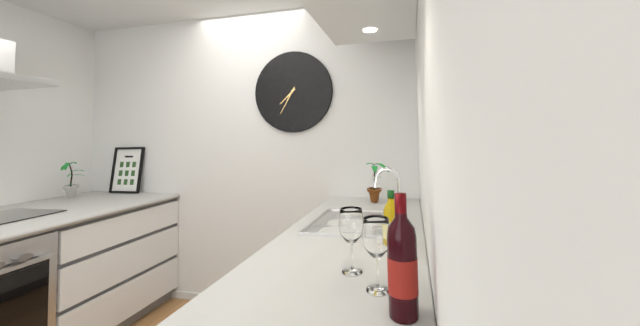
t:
7 h 35 min
